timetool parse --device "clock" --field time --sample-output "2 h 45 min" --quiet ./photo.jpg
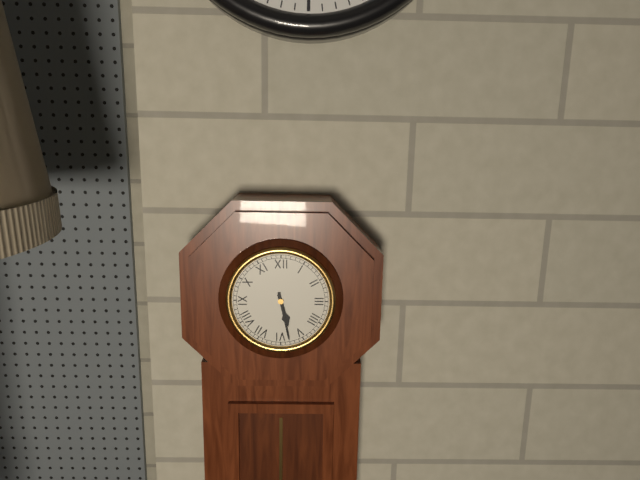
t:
5 h 28 min
